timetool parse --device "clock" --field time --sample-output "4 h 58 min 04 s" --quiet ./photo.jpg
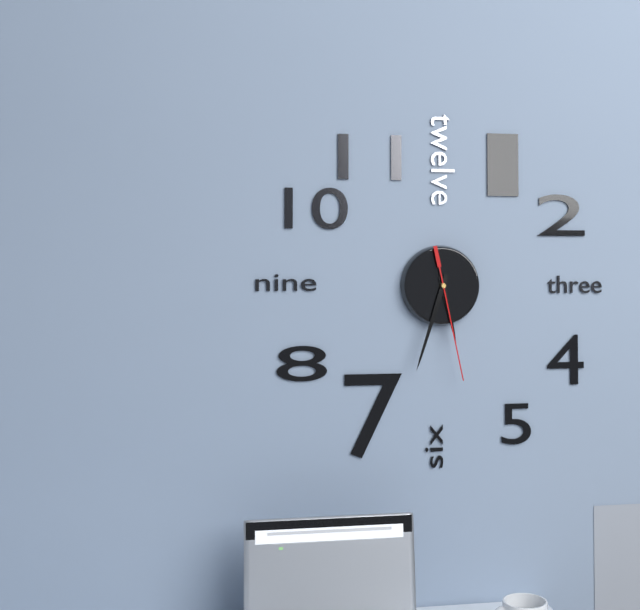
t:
5 h 33 min 28 s
